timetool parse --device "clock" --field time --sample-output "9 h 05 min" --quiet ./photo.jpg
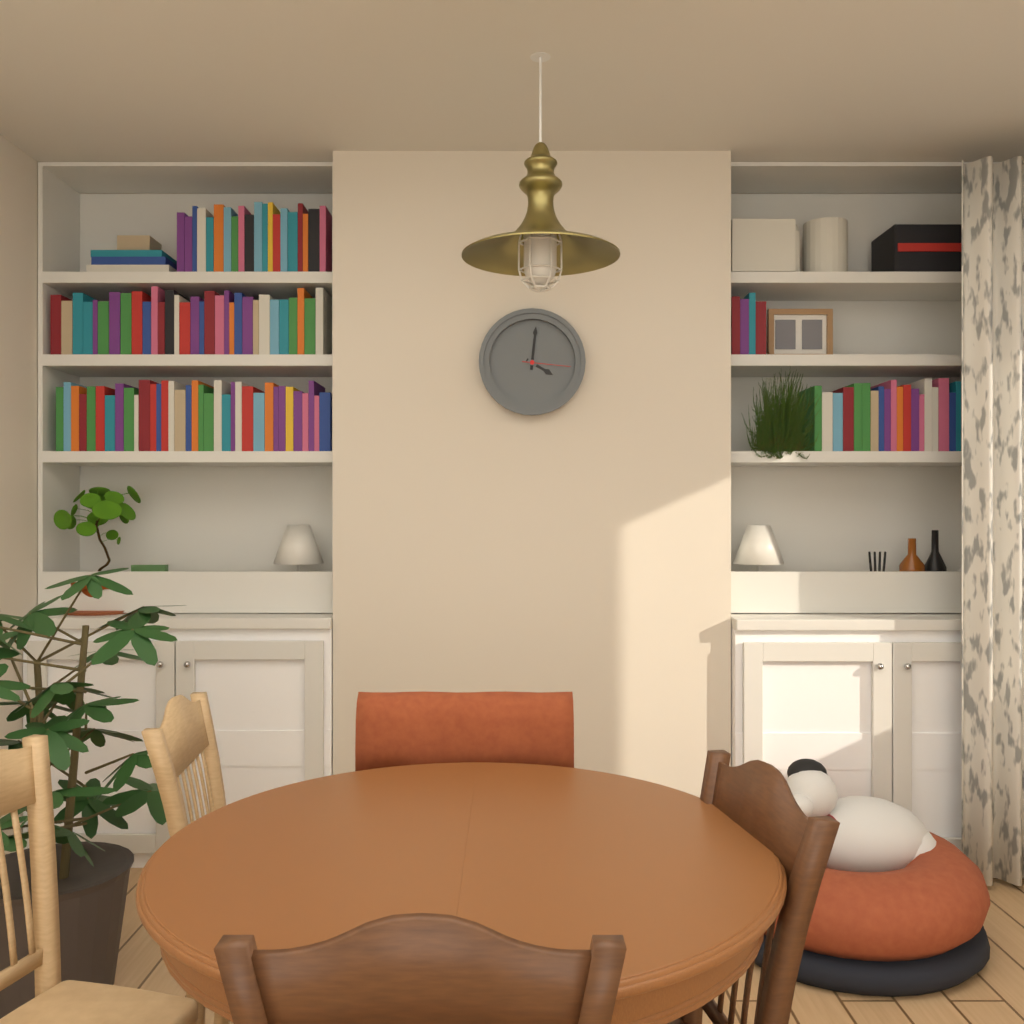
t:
4 h 01 min
